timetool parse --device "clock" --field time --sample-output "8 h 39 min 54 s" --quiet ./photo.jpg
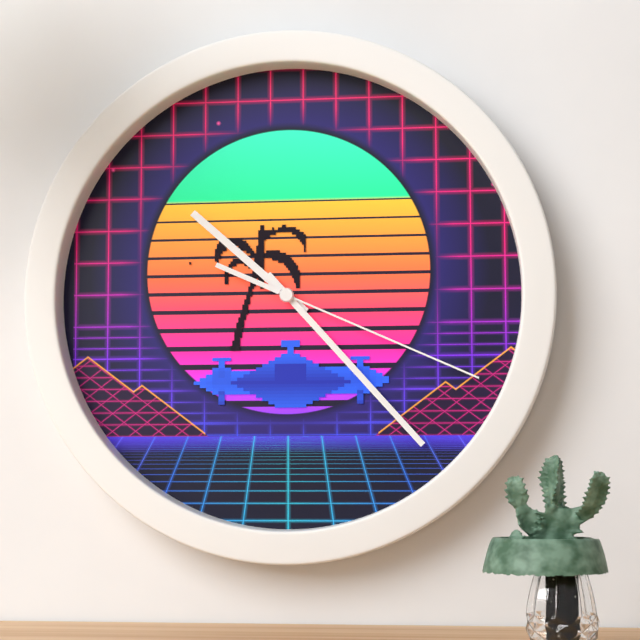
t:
10 h 23 min 19 s
